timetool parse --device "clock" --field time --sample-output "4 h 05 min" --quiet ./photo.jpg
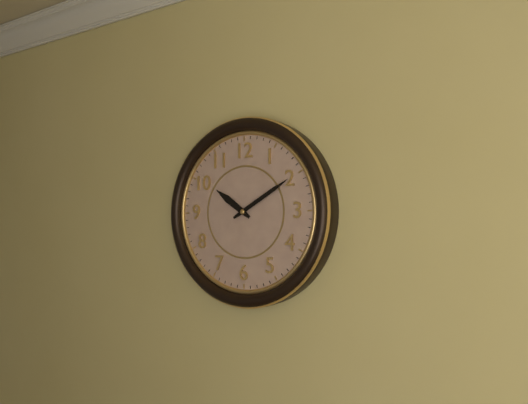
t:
10 h 10 min
